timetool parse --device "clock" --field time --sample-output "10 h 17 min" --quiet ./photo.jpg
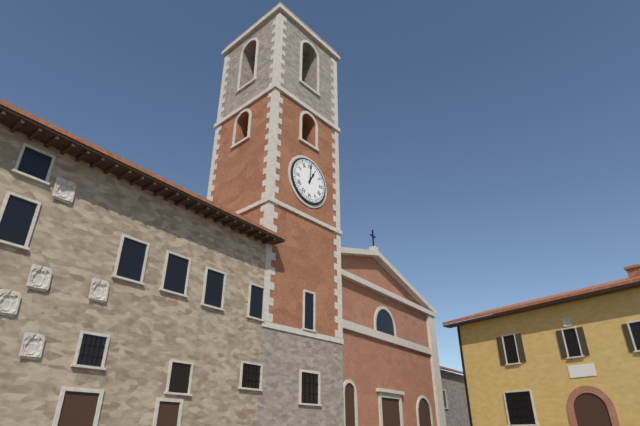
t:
1 h 01 min
